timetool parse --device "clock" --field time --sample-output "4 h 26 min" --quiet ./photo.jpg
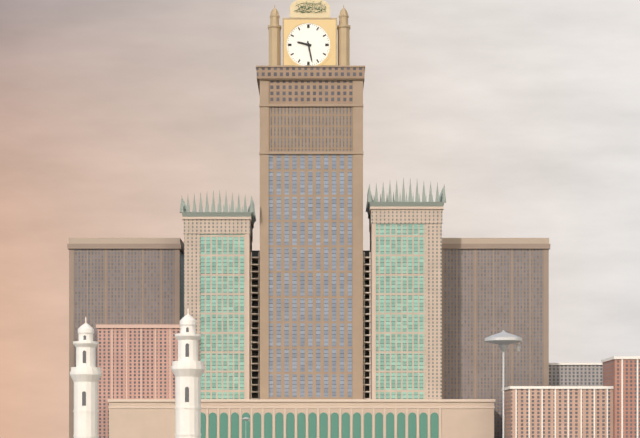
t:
9 h 28 min
